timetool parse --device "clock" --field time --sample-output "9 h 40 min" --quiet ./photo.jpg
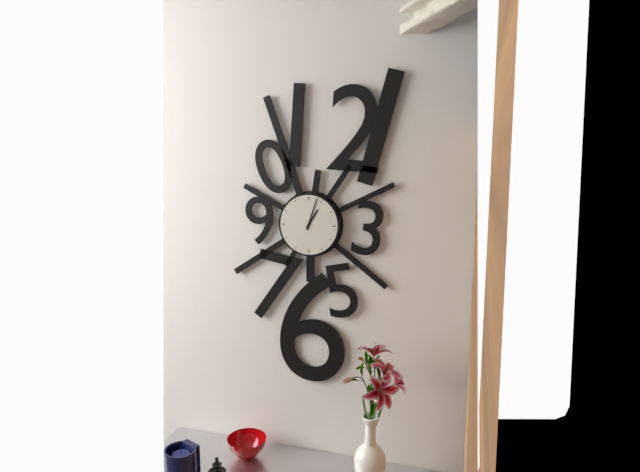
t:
1 h 03 min
